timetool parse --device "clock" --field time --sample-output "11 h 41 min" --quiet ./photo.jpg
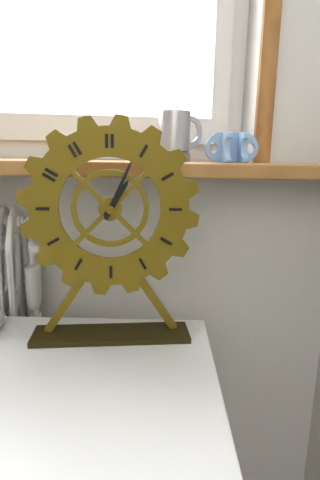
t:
1 h 04 min
